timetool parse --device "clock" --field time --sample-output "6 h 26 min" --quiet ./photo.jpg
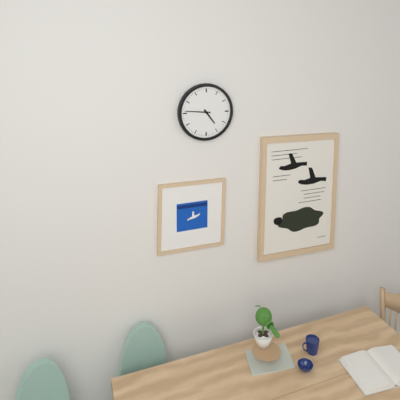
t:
4 h 46 min
